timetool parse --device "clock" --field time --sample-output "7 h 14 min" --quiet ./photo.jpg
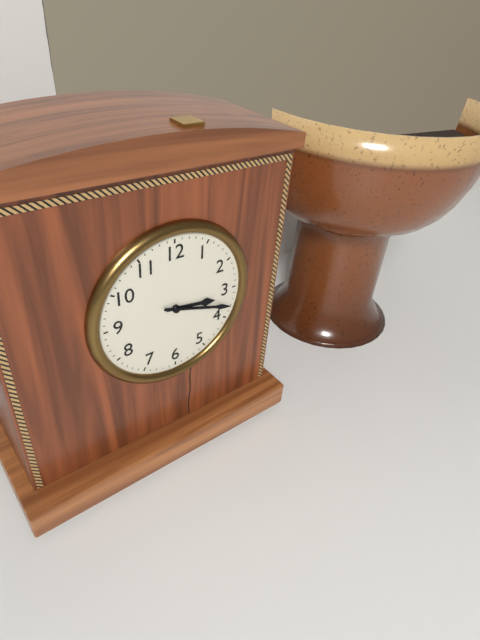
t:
3 h 18 min
